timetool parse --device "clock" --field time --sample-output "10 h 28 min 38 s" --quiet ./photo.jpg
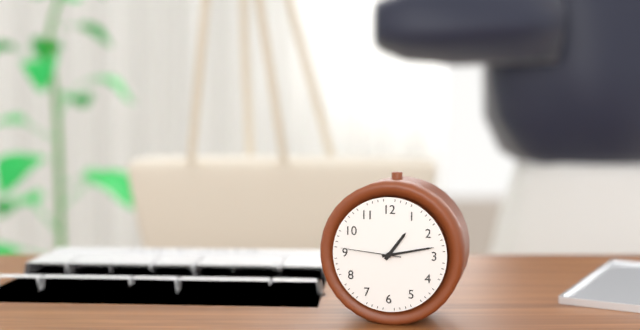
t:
1 h 13 min 46 s
